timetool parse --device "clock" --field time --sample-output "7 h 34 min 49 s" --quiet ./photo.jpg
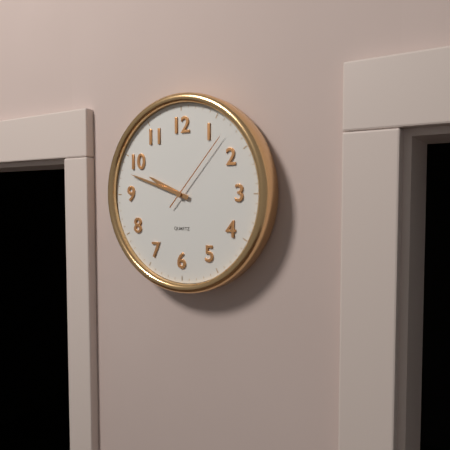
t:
9 h 48 min 07 s
